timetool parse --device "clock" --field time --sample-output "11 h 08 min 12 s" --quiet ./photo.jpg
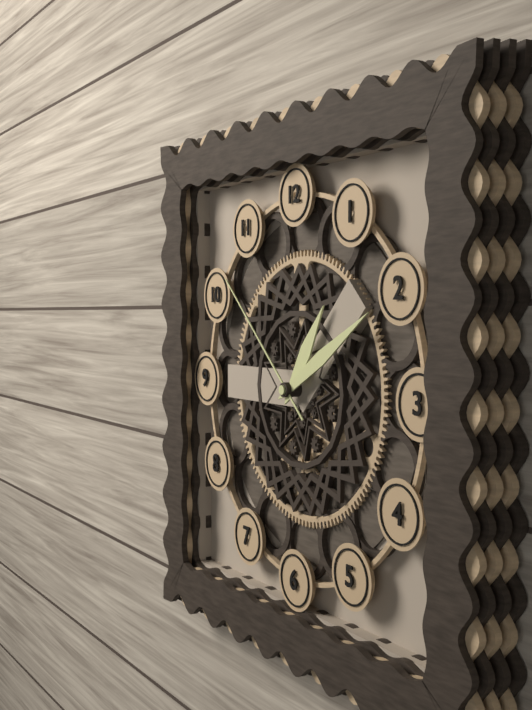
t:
1 h 10 min 52 s
